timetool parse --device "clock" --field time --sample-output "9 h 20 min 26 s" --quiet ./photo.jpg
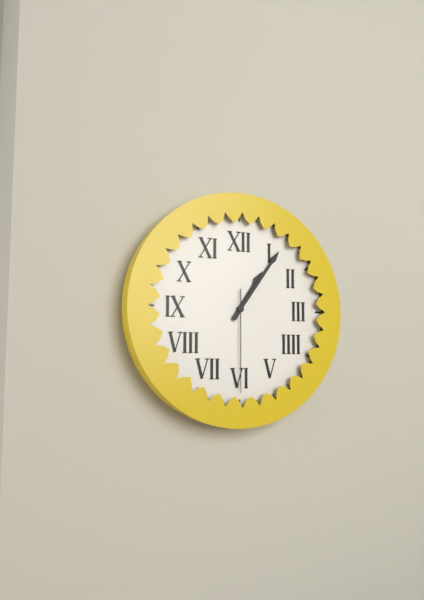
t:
1 h 06 min 30 s
